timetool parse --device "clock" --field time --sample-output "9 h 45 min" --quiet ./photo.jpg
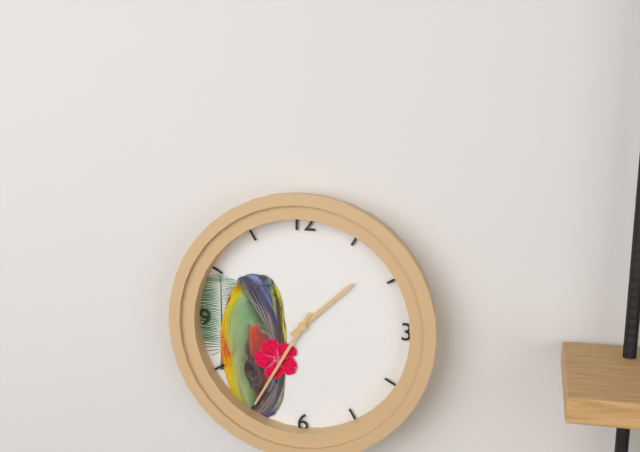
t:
1 h 35 min
